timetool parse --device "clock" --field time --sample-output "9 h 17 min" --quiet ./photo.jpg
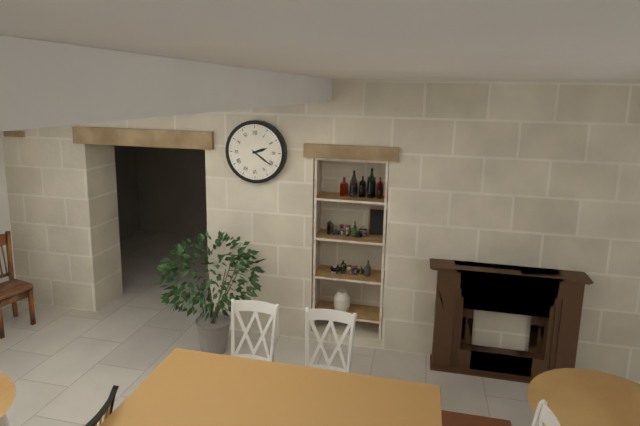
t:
2 h 21 min
